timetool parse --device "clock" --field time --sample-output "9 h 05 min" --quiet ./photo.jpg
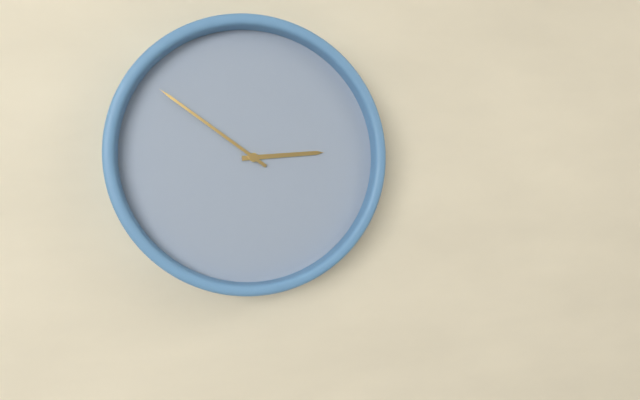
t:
2 h 51 min
